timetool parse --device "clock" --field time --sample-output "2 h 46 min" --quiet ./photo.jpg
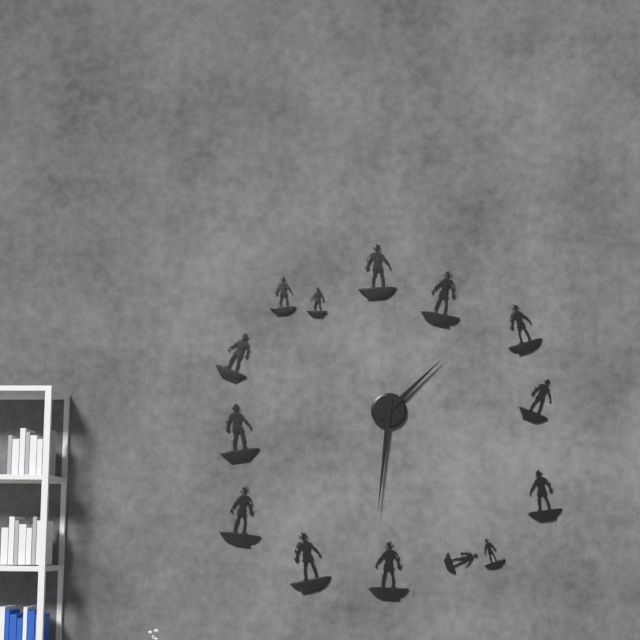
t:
1 h 31 min
